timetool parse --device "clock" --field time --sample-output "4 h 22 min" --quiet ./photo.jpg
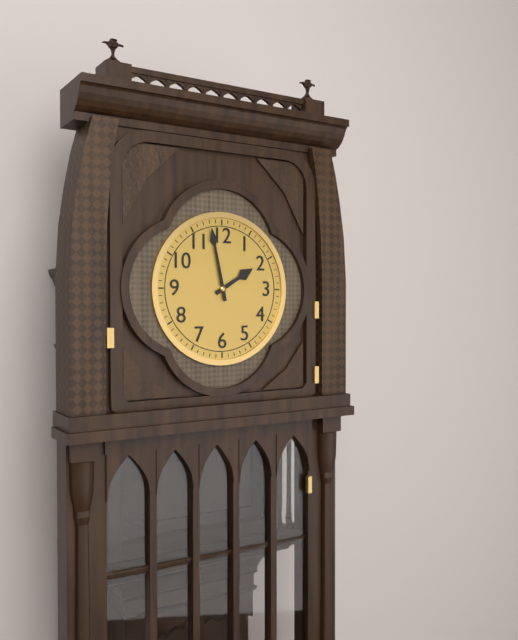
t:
1 h 58 min
